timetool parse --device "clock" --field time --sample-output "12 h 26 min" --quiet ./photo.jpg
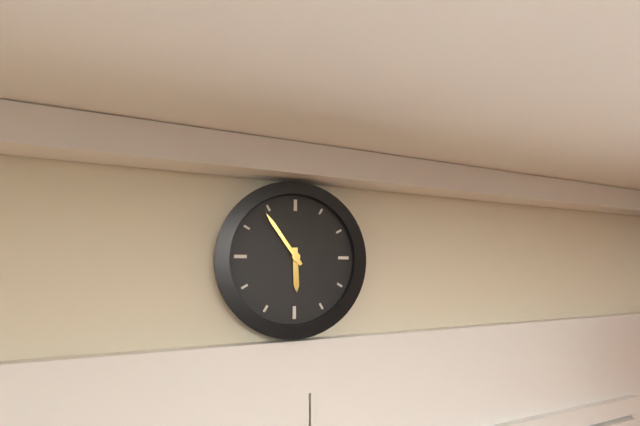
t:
5 h 54 min
